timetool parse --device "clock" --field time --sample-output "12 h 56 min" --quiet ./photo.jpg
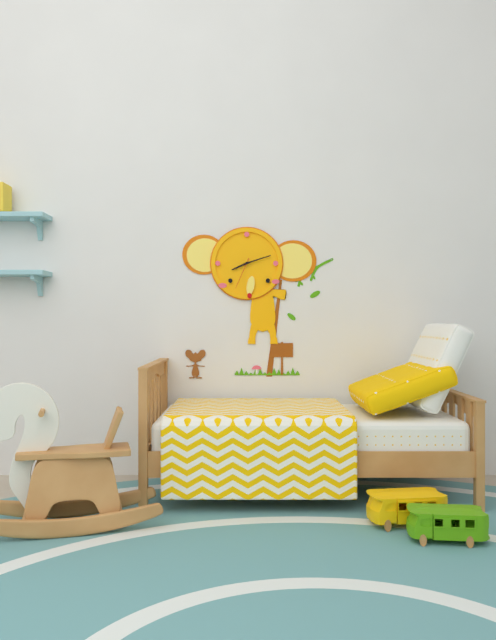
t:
8 h 12 min
